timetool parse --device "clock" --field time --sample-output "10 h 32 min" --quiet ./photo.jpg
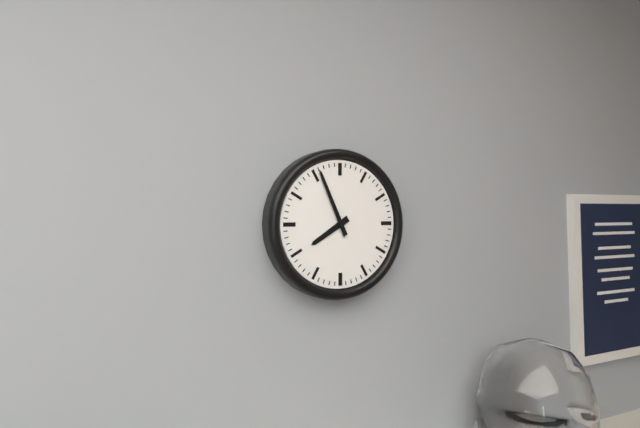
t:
7 h 56 min
